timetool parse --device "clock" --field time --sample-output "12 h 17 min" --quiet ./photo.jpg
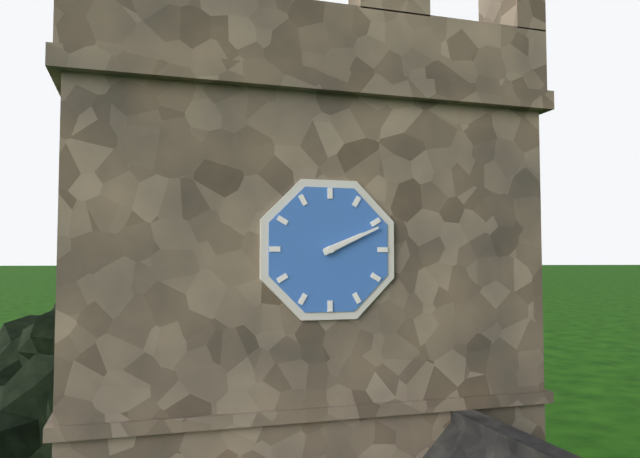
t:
2 h 11 min
